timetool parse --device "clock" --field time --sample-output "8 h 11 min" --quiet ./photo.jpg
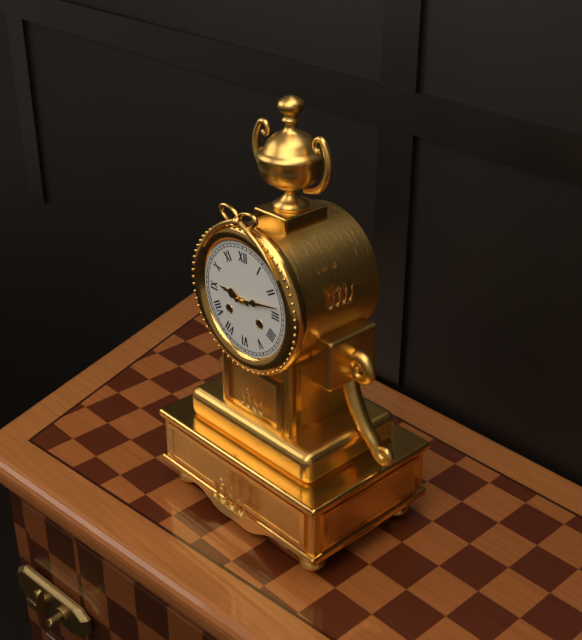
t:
9 h 13 min
